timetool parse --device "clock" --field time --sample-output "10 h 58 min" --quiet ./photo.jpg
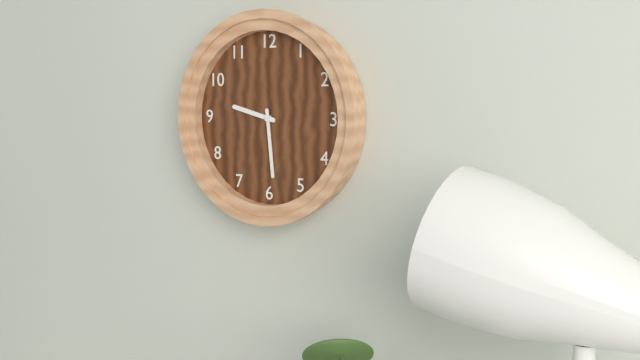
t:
9 h 29 min
